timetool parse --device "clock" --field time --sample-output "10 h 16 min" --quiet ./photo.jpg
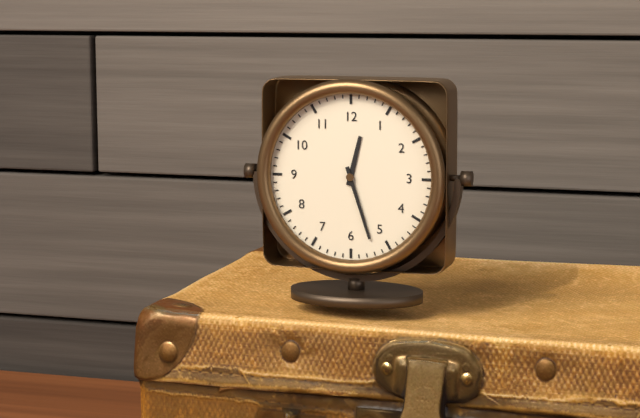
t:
12 h 27 min
